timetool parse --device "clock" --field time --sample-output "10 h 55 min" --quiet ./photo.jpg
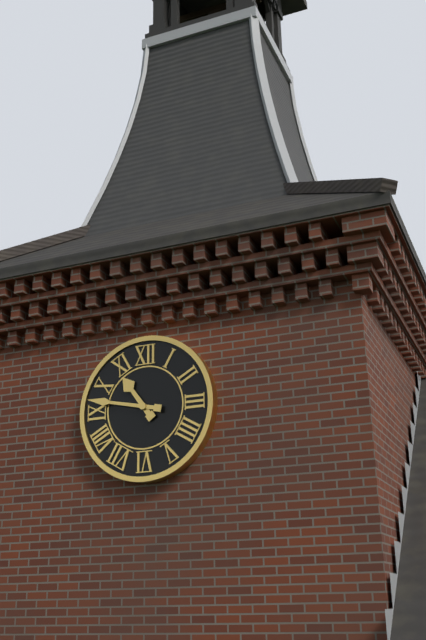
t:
10 h 47 min
